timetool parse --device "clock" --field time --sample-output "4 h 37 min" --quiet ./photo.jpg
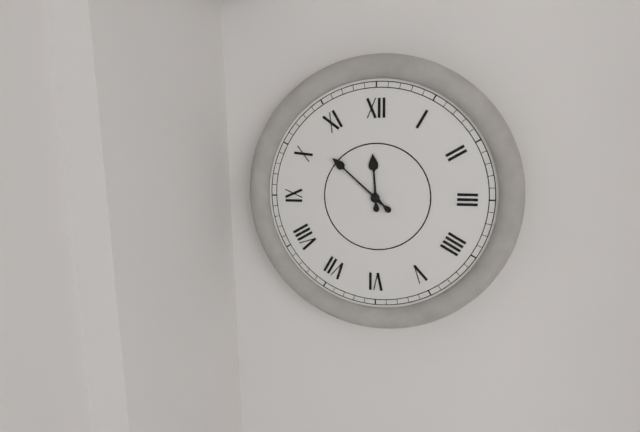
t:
11 h 52 min
